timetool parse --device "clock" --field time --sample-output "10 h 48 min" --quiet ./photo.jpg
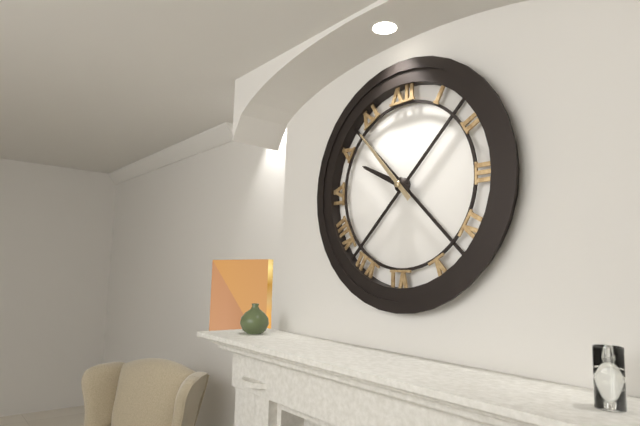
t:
9 h 53 min
